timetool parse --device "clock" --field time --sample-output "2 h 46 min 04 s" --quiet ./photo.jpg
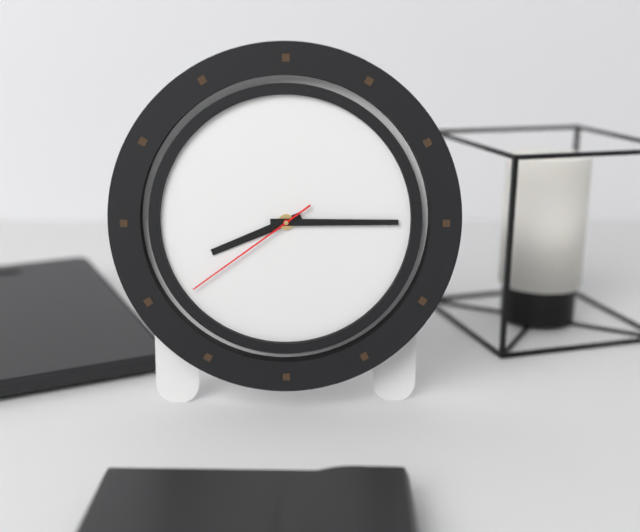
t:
8 h 15 min 39 s
